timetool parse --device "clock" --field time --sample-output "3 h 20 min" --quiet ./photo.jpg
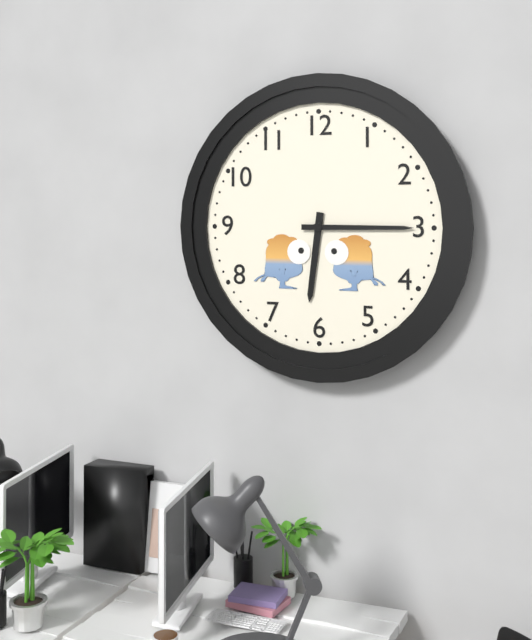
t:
6 h 15 min
